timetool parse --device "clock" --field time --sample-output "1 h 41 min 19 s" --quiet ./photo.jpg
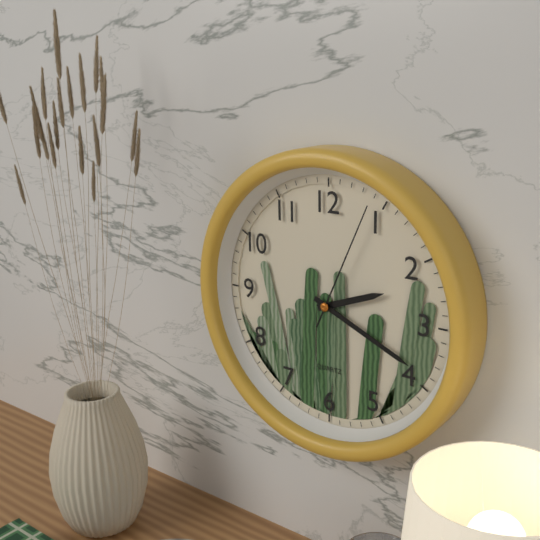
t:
2 h 19 min 04 s
